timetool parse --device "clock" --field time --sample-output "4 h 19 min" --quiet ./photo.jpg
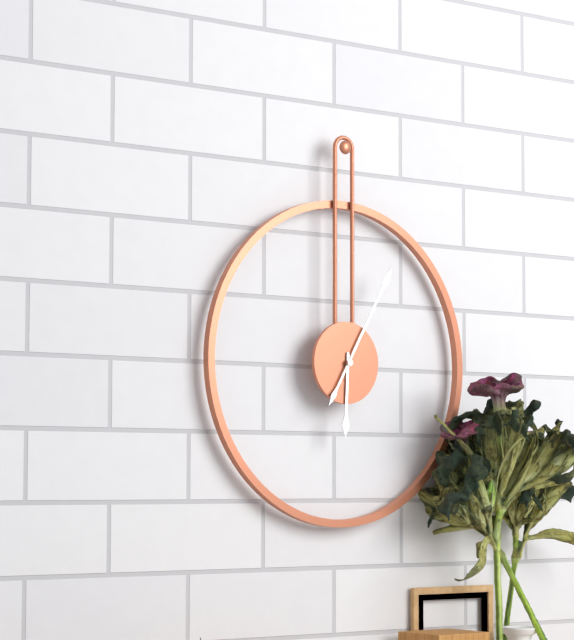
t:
6 h 05 min
